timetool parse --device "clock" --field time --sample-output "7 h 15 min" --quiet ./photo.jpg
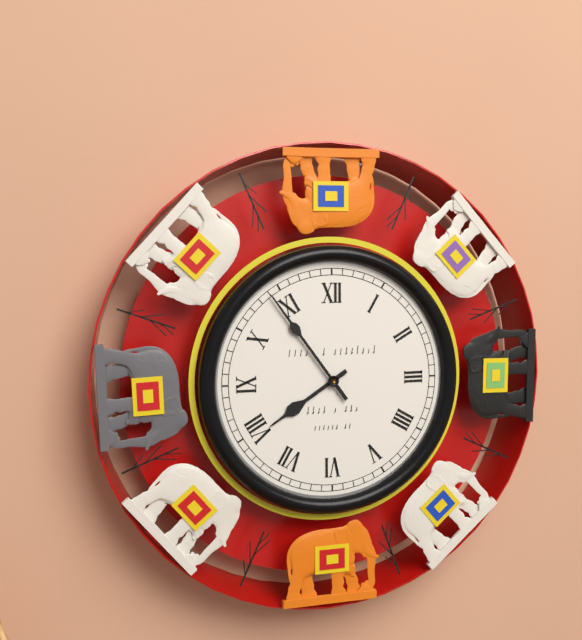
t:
7 h 54 min
